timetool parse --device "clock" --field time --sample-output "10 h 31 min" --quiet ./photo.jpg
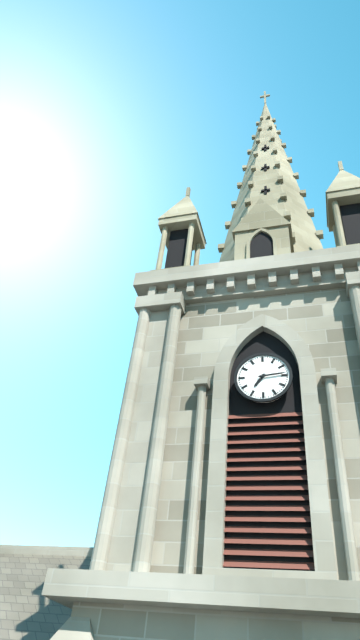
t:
7 h 14 min
